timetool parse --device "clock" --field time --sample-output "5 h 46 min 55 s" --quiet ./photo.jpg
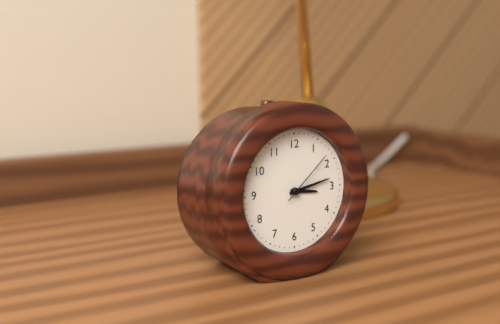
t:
3 h 13 min 08 s
